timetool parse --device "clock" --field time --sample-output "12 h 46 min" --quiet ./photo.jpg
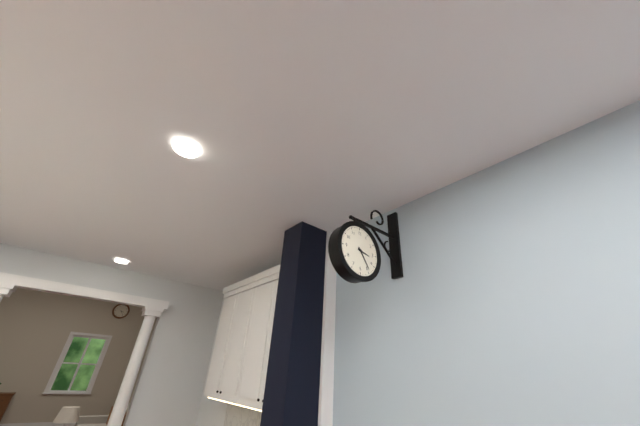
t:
3 h 24 min
